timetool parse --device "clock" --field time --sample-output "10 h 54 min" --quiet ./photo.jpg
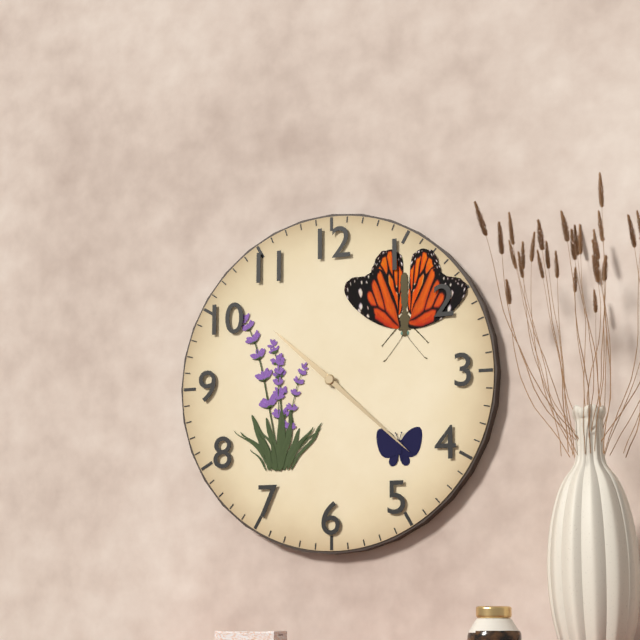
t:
10 h 22 min
